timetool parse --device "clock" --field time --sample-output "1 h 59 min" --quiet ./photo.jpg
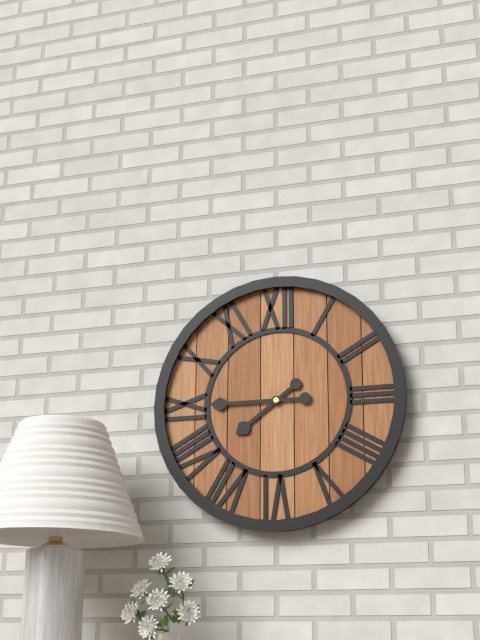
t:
7 h 45 min
